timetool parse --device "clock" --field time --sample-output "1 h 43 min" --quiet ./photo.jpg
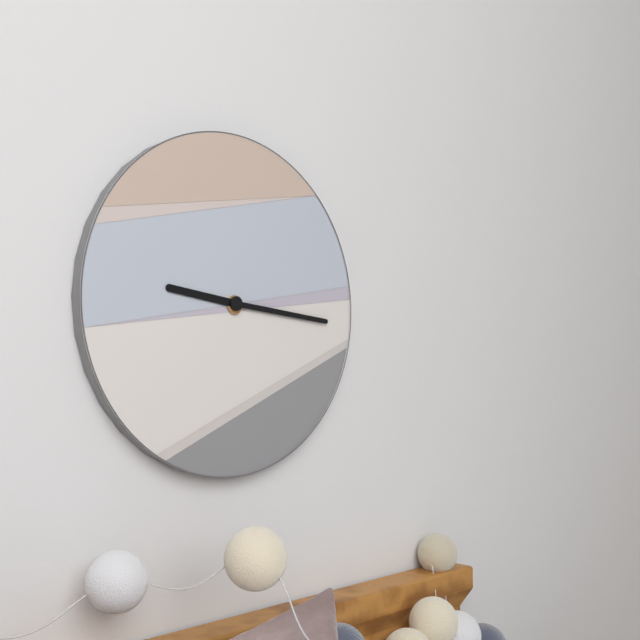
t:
9 h 16 min
